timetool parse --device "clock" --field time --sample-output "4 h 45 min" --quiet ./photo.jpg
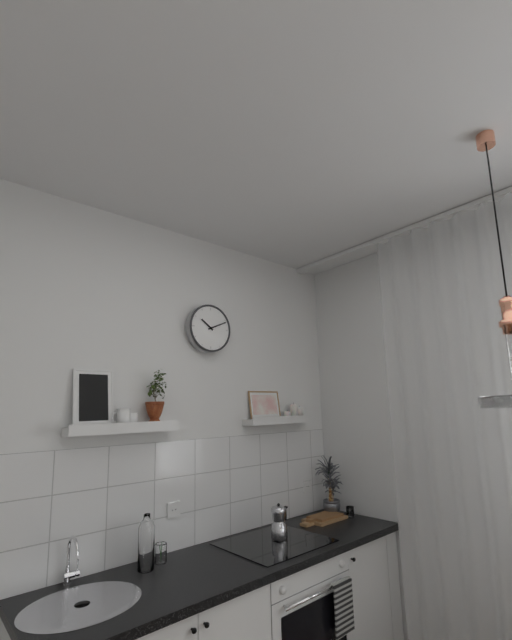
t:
10 h 11 min
